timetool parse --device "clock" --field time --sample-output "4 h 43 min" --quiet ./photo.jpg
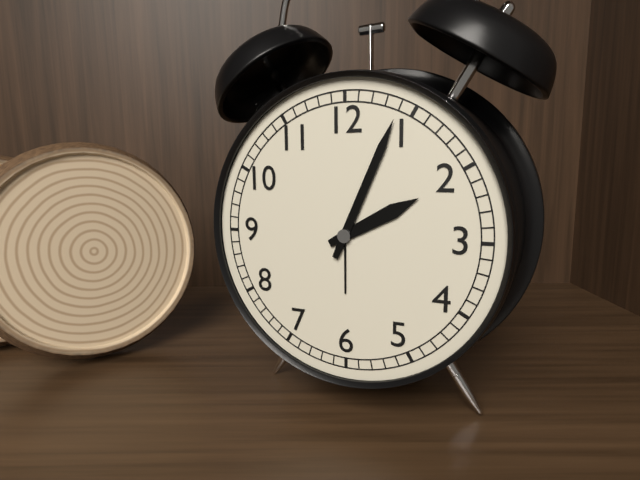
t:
2 h 04 min
